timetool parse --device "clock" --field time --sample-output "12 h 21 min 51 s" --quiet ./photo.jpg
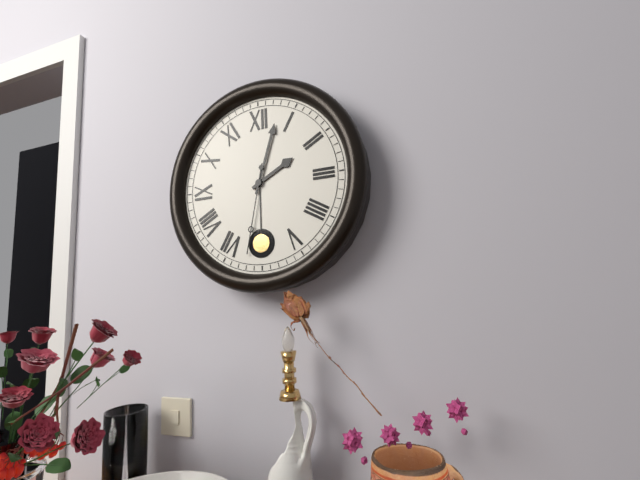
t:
2 h 03 min 32 s
